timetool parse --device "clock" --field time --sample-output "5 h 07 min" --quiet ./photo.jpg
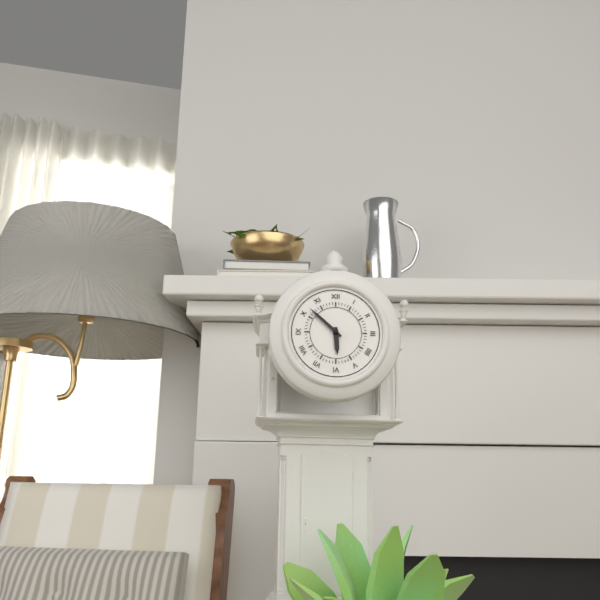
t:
5 h 52 min
